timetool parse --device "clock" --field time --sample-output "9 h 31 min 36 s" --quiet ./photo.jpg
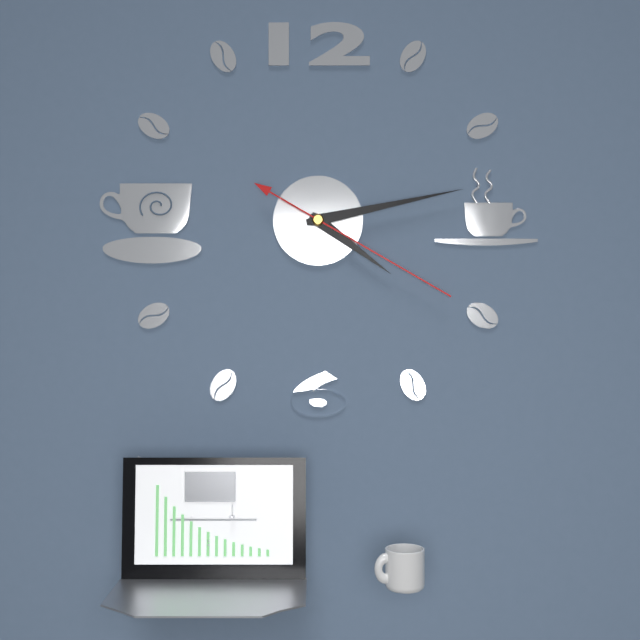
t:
4 h 13 min 20 s
